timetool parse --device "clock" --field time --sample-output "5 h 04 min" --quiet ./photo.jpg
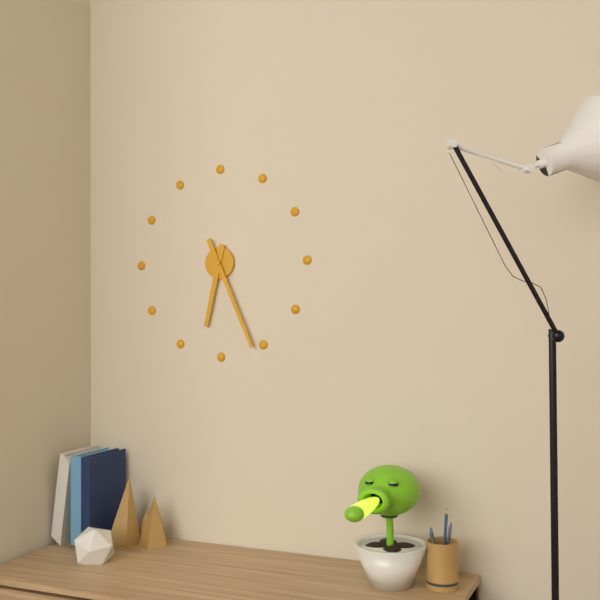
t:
6 h 26 min
